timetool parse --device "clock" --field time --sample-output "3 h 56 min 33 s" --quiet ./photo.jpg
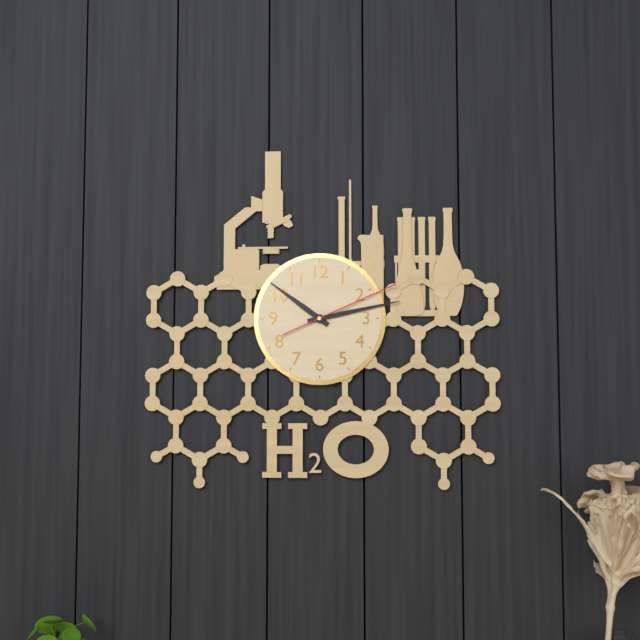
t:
10 h 13 min 11 s
